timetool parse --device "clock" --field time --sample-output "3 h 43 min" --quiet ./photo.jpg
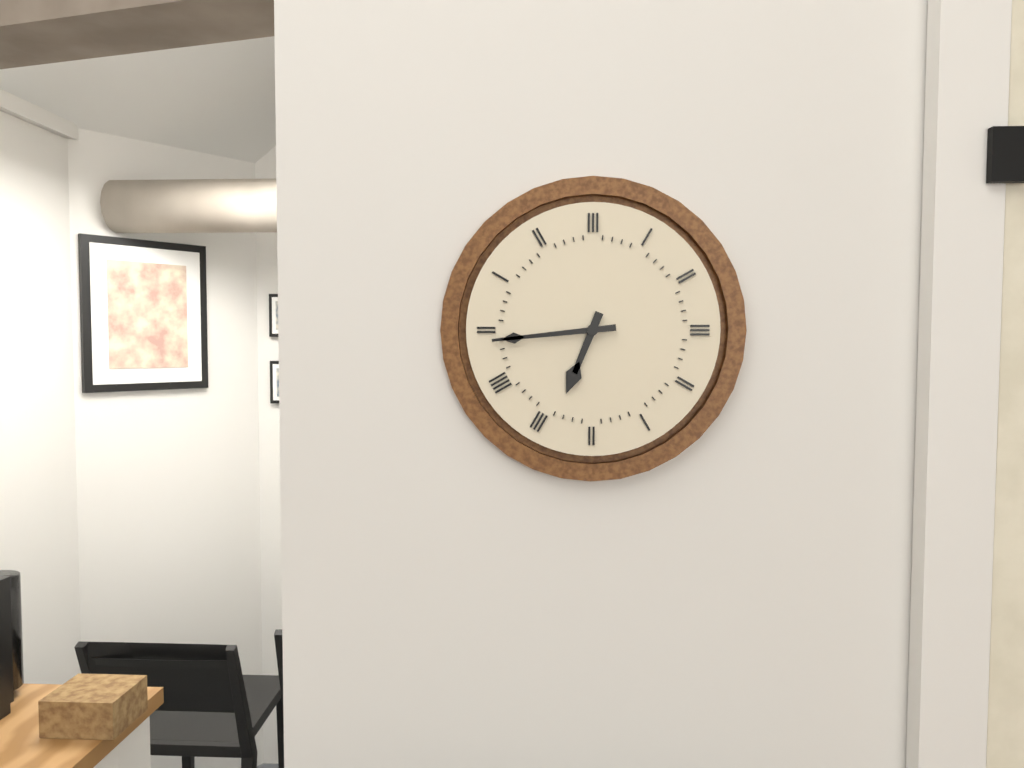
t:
6 h 44 min
